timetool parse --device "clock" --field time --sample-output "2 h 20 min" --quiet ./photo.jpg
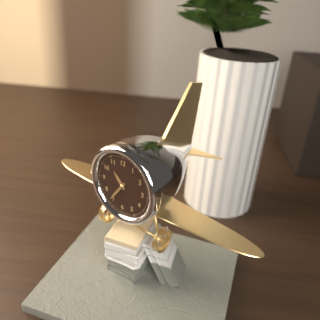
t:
10 h 36 min
